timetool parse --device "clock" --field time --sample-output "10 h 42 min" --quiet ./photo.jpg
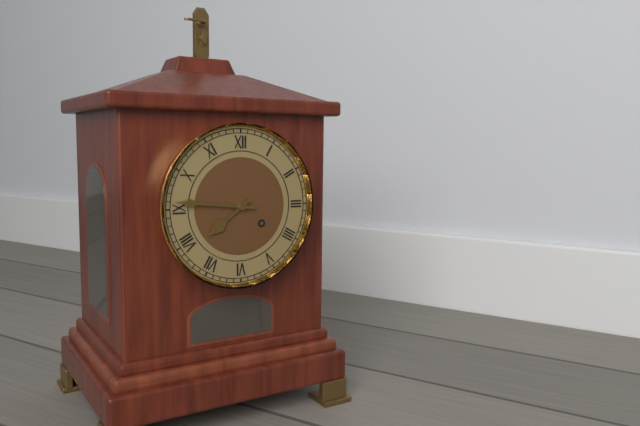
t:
7 h 46 min
